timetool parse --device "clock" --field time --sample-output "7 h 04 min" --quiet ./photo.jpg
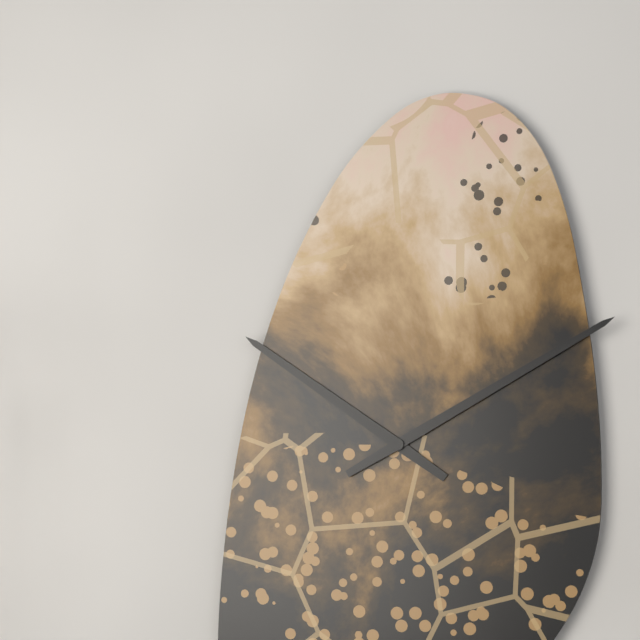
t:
10 h 10 min
